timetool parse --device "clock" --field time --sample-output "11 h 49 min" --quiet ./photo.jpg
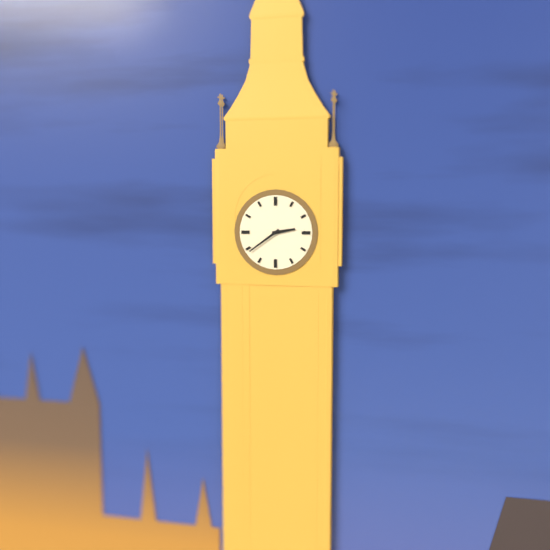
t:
2 h 39 min
